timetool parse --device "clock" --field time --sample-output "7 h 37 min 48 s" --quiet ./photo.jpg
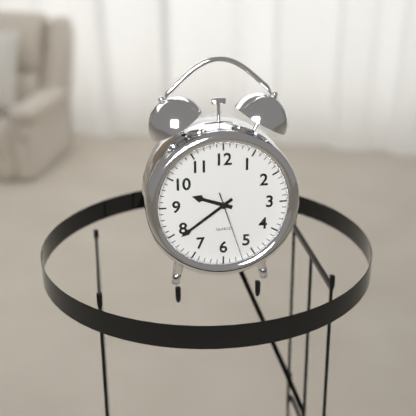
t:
9 h 39 min 27 s
